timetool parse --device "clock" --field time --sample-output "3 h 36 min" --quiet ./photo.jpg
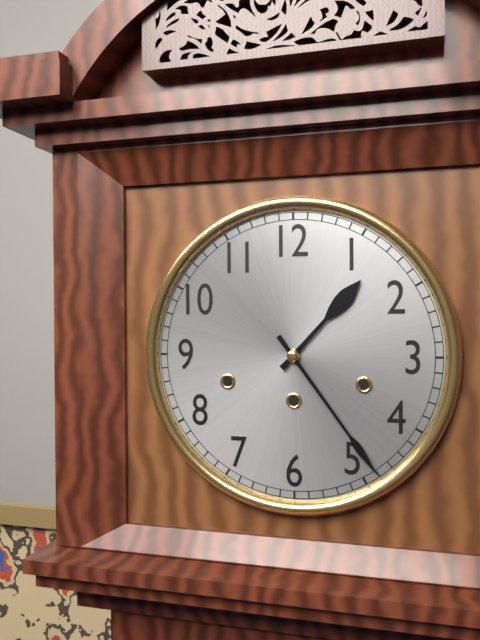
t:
1 h 24 min
